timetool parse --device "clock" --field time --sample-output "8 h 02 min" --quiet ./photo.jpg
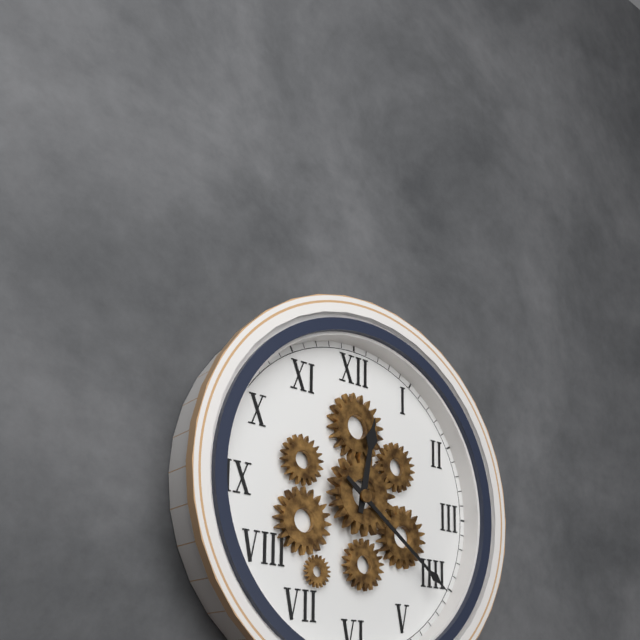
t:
12 h 21 min
